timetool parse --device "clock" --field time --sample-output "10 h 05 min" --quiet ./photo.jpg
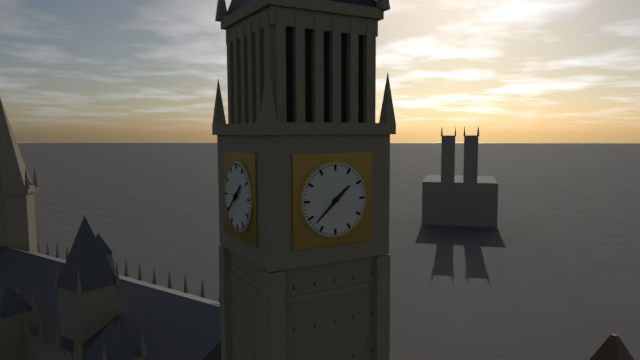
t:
1 h 38 min
